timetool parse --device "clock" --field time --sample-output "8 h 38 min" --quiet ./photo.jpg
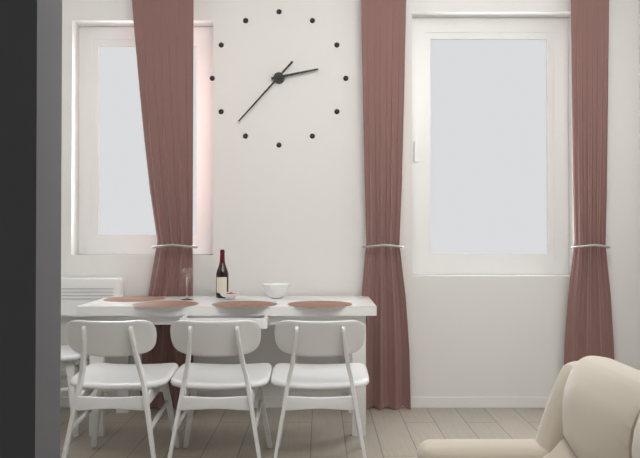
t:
2 h 37 min
